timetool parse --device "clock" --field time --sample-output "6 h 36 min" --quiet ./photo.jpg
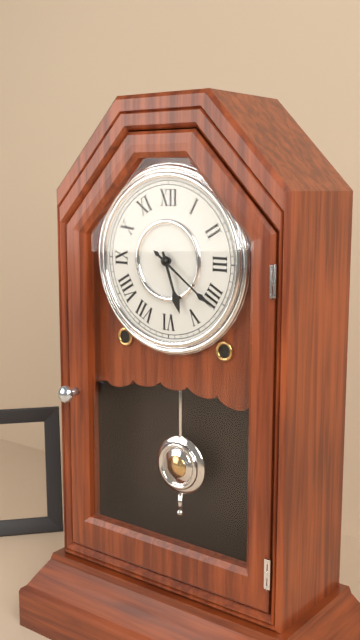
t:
5 h 21 min
